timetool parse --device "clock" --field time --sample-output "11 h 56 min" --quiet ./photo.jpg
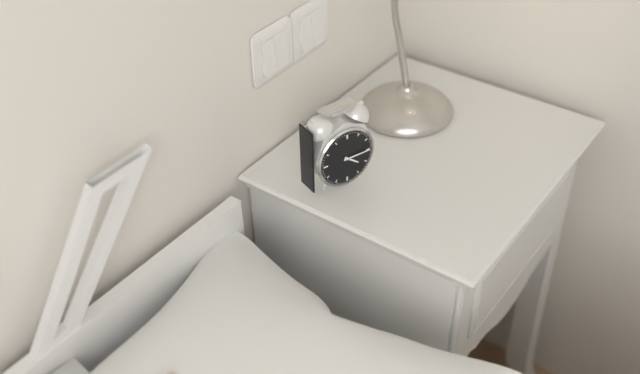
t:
4 h 15 min
